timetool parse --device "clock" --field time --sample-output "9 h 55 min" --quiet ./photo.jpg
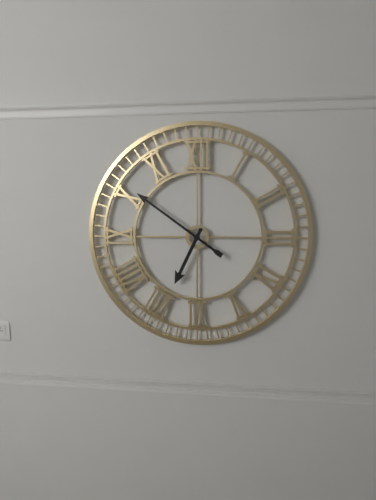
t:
6 h 51 min
